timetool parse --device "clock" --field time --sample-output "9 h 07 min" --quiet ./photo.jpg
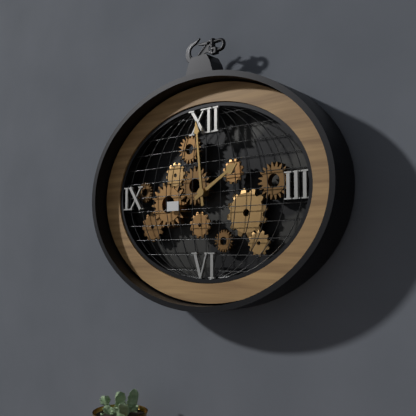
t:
1 h 59 min
